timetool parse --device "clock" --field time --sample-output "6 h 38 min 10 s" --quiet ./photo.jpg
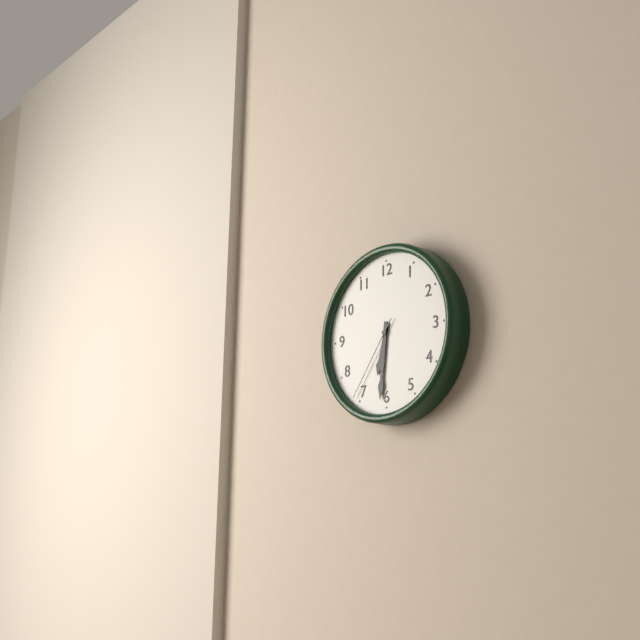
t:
6 h 31 min 36 s
